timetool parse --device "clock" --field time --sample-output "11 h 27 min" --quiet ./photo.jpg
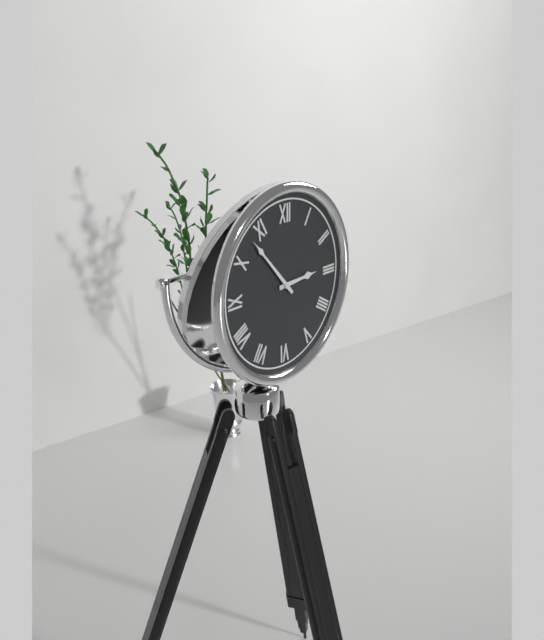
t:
2 h 53 min
